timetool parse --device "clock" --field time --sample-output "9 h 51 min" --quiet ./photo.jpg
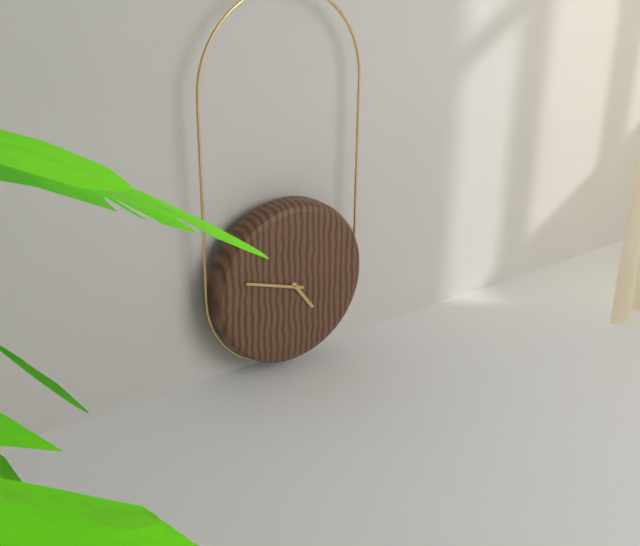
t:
4 h 48 min
